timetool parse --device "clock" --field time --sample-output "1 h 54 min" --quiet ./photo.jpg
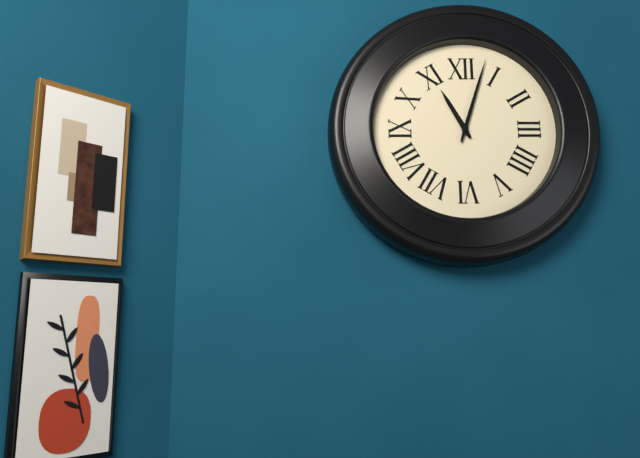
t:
11 h 03 min
